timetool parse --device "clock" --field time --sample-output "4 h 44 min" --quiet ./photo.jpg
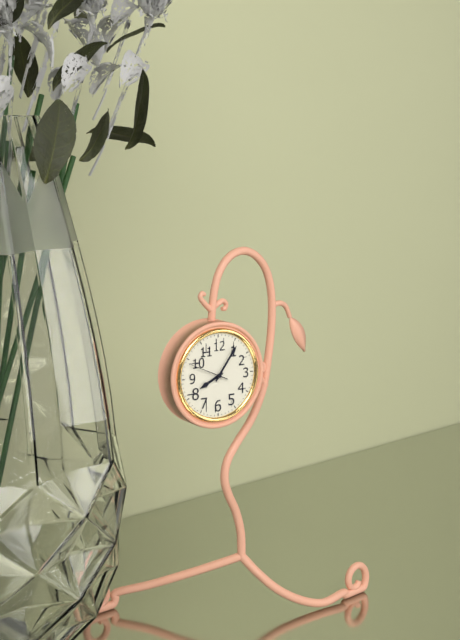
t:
8 h 06 min
